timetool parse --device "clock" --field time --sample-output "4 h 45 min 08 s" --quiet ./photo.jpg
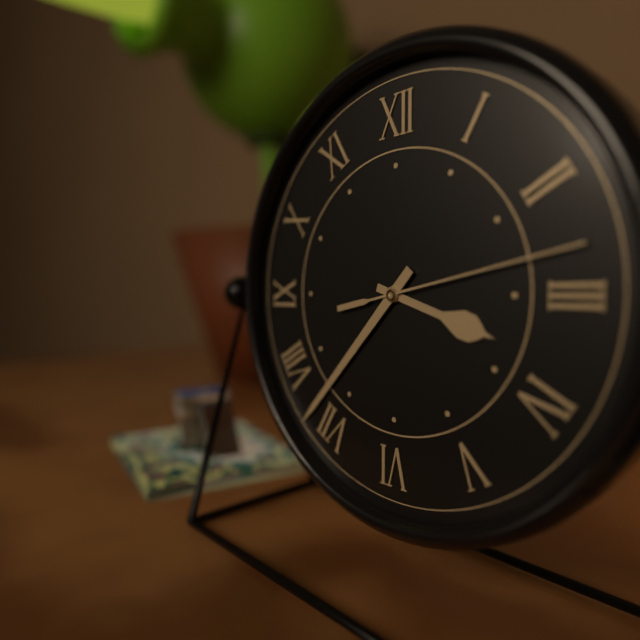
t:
3 h 37 min 13 s
